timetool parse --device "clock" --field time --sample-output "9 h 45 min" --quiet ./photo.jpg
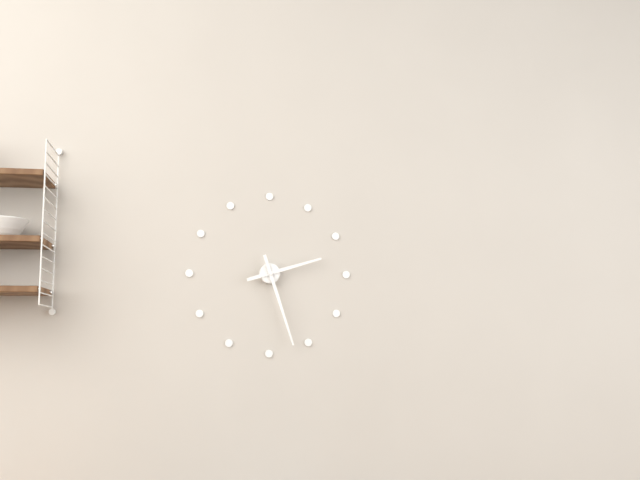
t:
2 h 27 min
